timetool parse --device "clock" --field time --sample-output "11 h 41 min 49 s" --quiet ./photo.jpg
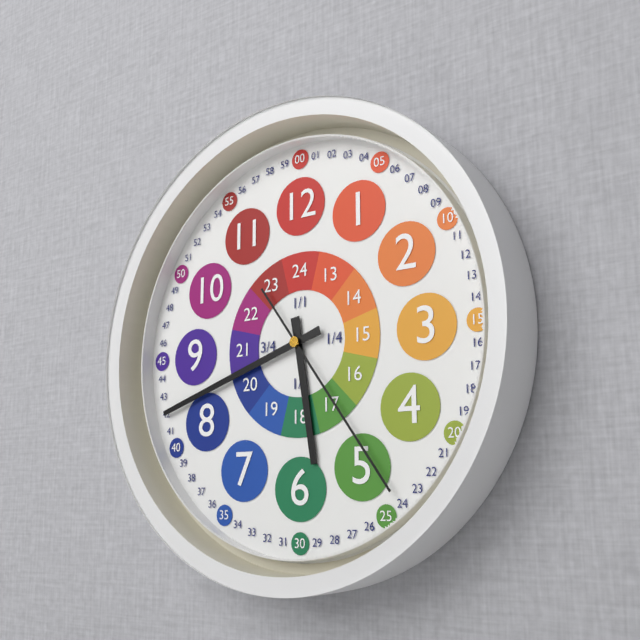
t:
5 h 42 min 24 s
